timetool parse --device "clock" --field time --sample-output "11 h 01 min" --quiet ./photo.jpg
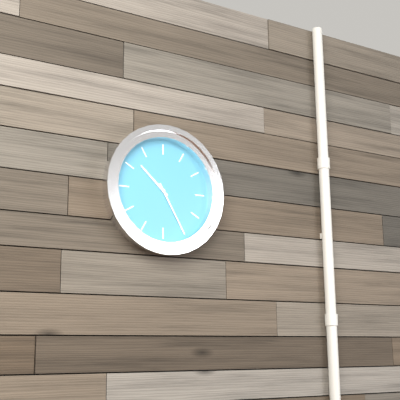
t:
10 h 25 min
